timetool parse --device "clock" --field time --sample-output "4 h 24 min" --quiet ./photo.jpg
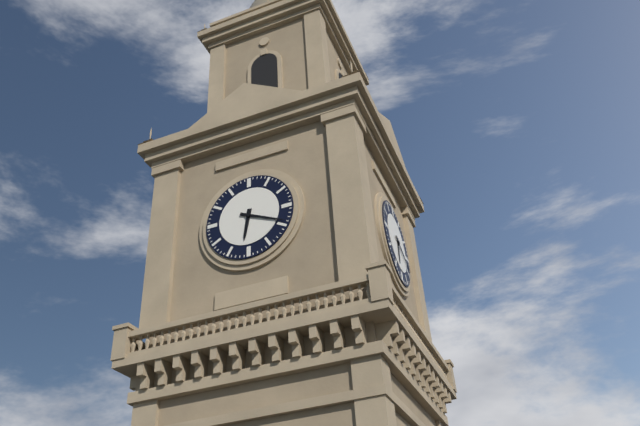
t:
6 h 19 min
